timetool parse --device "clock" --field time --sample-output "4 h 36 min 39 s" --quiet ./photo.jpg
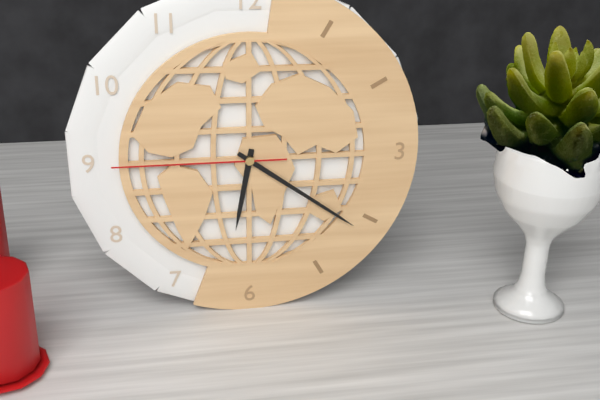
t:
6 h 21 min 45 s
